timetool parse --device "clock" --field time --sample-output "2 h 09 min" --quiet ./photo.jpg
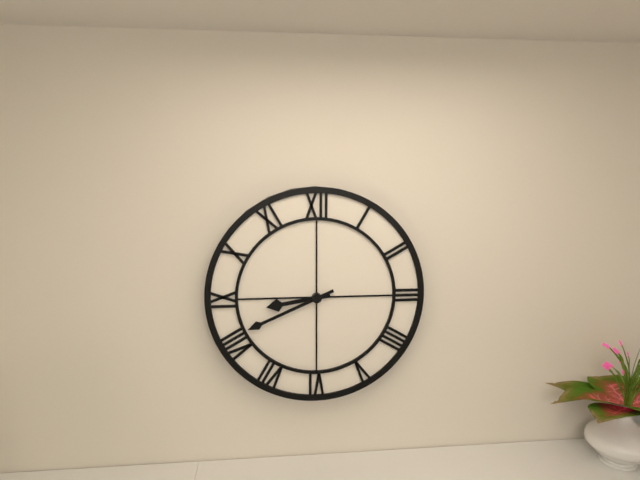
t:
8 h 41 min
